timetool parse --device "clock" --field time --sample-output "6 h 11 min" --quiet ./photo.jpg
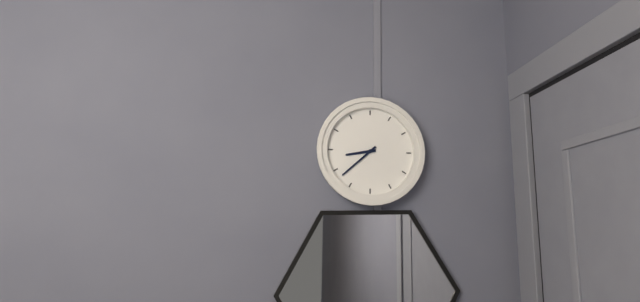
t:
8 h 38 min
